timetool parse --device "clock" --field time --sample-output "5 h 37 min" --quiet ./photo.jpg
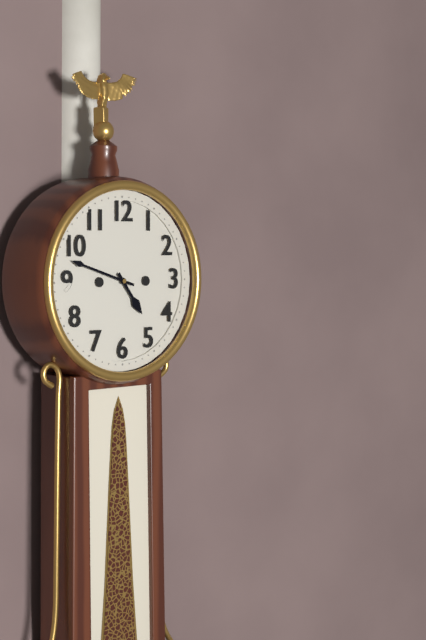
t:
4 h 48 min
